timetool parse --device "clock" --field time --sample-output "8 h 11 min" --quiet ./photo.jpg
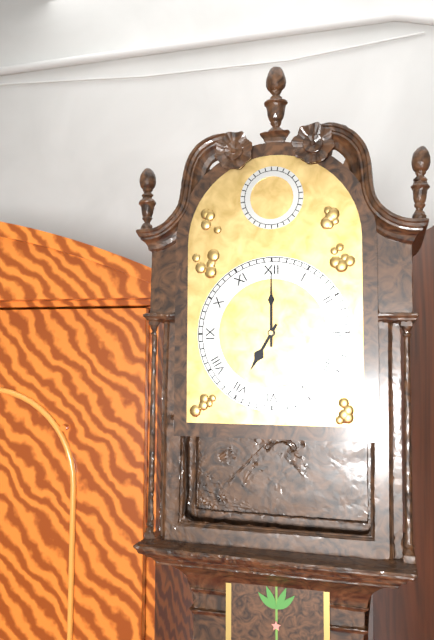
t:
7 h 00 min
